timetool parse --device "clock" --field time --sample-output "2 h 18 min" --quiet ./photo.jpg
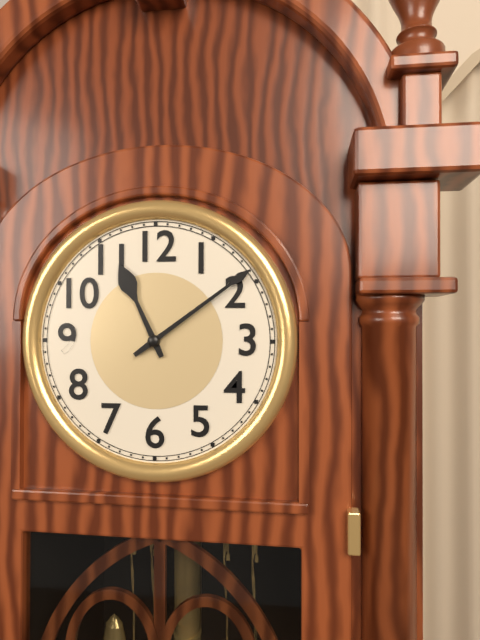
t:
11 h 09 min
